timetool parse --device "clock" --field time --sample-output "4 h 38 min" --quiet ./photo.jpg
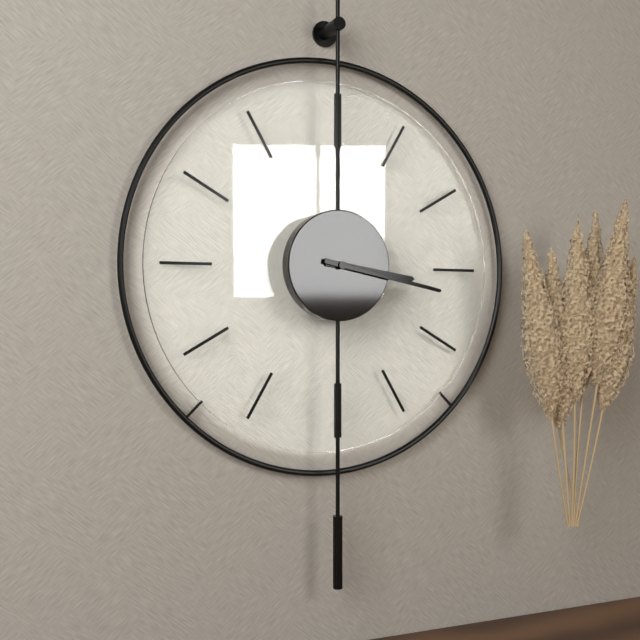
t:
3 h 17 min
